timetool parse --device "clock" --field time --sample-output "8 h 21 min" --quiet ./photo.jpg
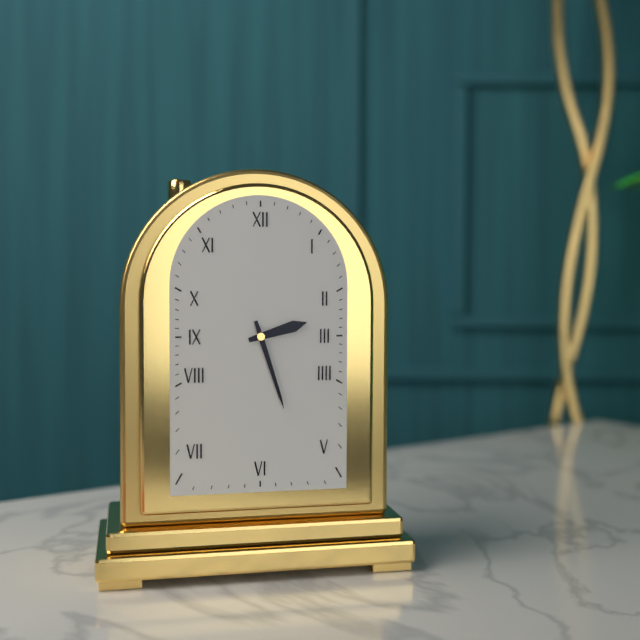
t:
2 h 27 min
